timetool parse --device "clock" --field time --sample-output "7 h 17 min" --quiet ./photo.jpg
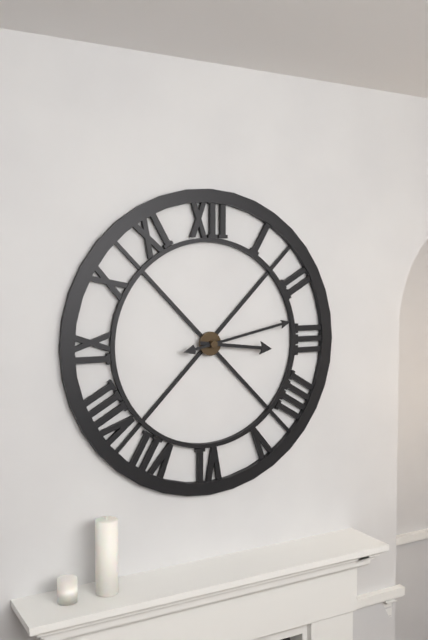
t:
3 h 13 min
